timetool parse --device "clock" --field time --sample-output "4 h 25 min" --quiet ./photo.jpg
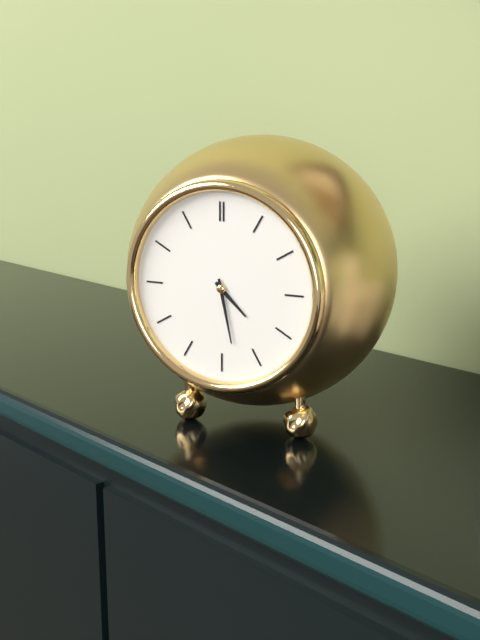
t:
4 h 28 min
